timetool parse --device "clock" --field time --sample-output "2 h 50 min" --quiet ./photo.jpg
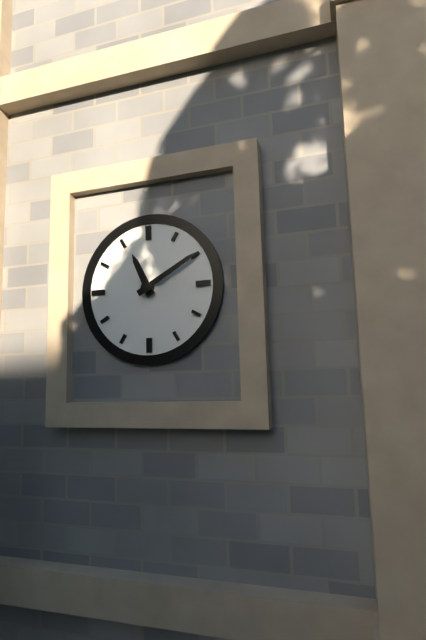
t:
11 h 10 min
